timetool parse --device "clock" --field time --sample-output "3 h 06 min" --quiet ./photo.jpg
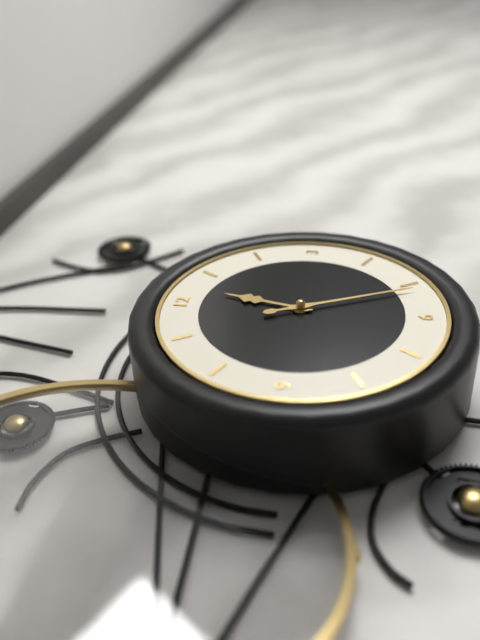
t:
12 h 26 min
